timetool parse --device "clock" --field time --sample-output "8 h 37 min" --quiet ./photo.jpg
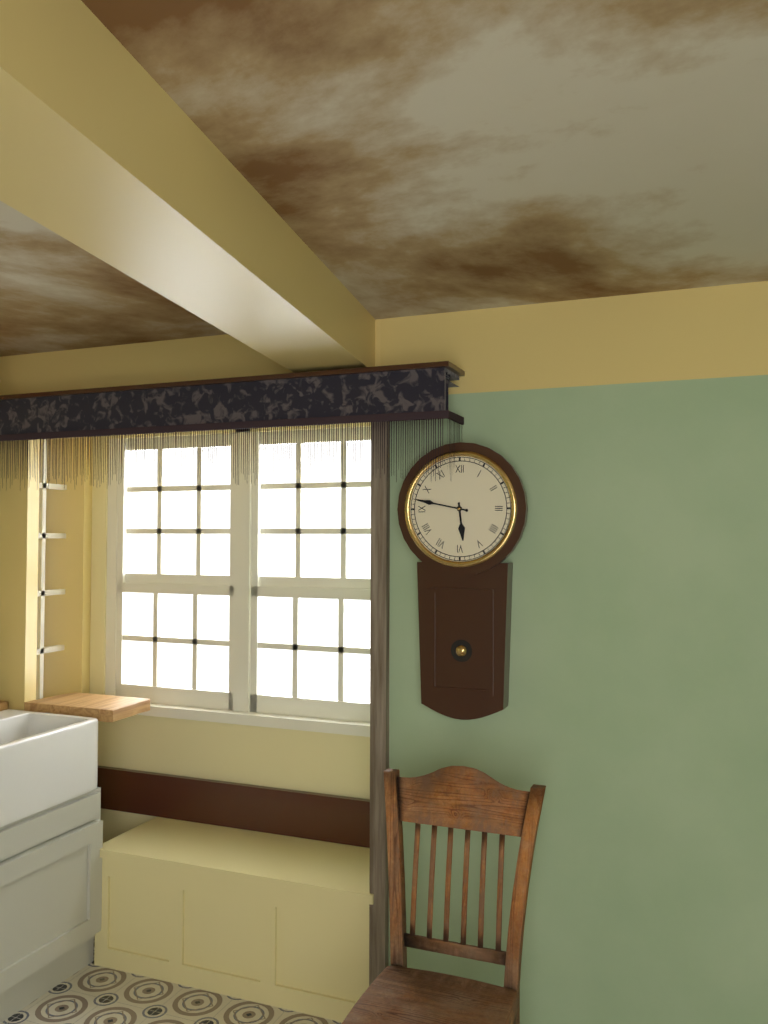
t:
5 h 47 min
